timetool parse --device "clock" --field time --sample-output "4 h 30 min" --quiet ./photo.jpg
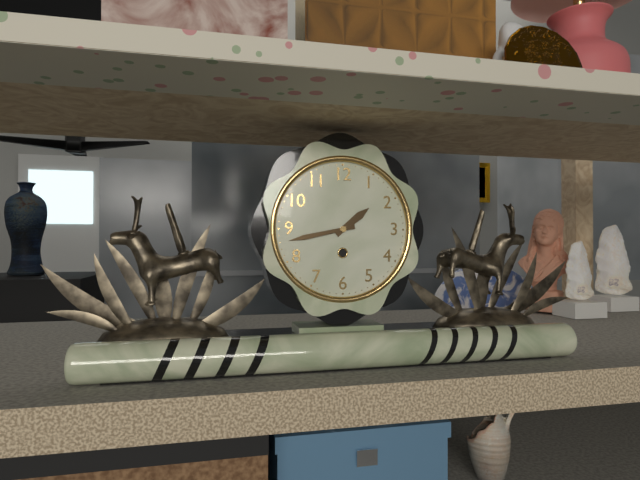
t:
1 h 43 min
